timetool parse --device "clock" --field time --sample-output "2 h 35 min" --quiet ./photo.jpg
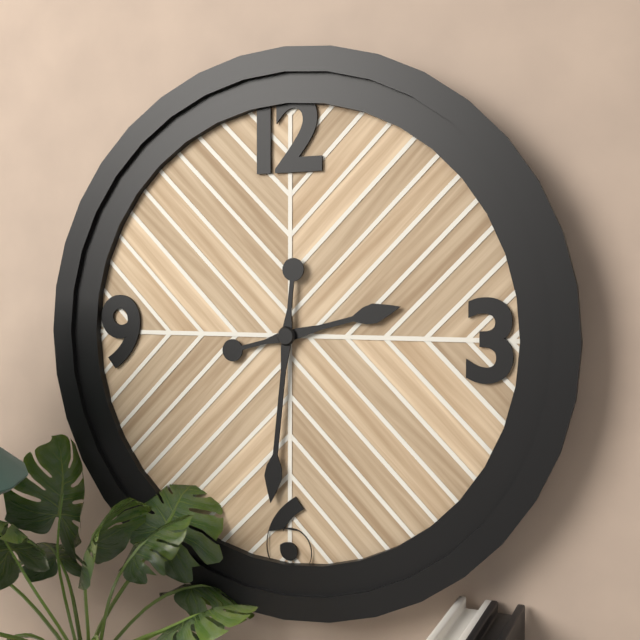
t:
2 h 31 min
